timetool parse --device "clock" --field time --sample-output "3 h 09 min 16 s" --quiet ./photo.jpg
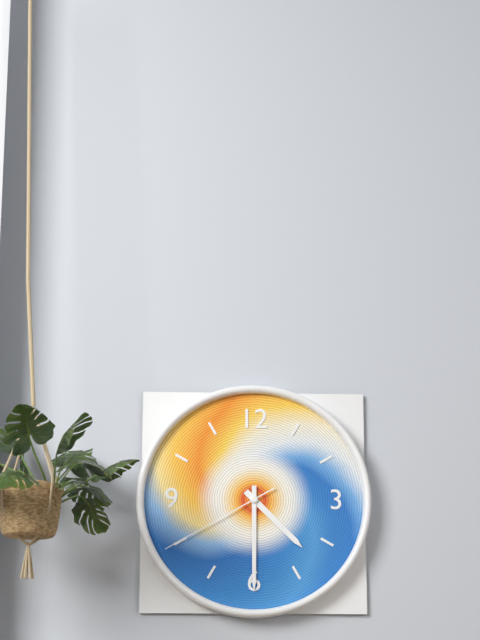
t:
4 h 30 min 40 s
